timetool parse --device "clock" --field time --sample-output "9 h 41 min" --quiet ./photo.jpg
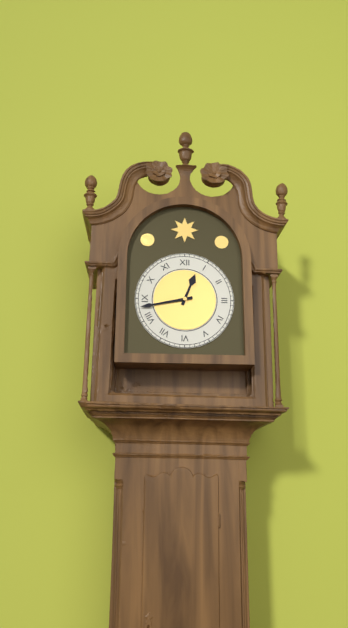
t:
12 h 43 min
